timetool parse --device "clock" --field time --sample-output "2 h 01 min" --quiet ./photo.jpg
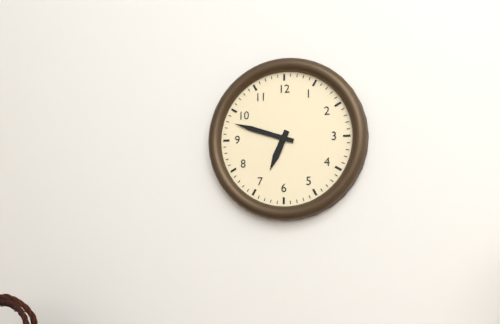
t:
6 h 48 min
